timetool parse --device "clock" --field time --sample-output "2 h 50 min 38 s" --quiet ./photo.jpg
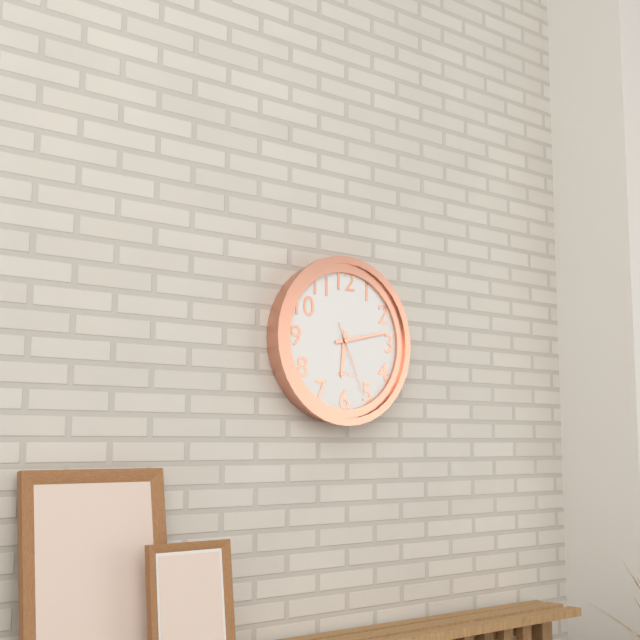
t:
6 h 13 min 26 s
